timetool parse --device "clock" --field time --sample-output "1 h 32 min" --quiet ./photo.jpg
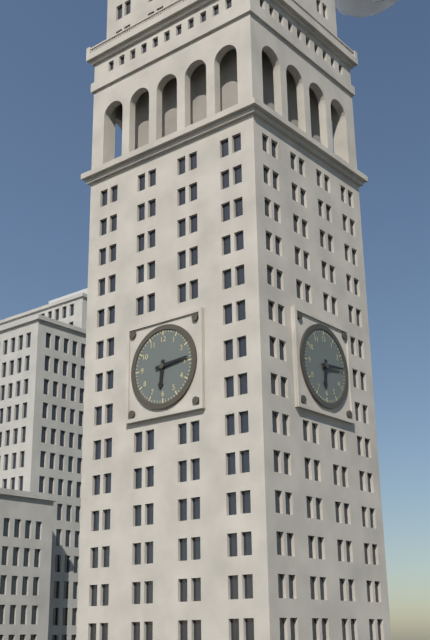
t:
6 h 14 min
